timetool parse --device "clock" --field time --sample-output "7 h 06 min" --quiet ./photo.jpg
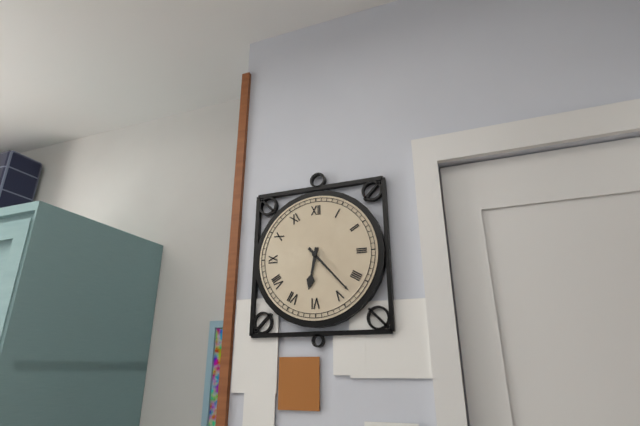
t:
6 h 23 min
